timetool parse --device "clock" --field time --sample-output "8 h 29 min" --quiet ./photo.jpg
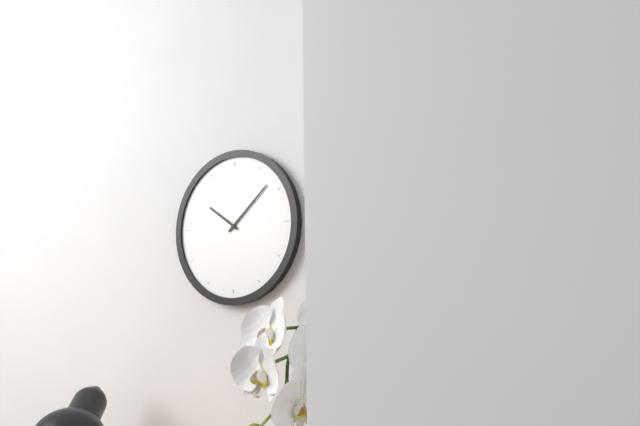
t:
10 h 08 min
